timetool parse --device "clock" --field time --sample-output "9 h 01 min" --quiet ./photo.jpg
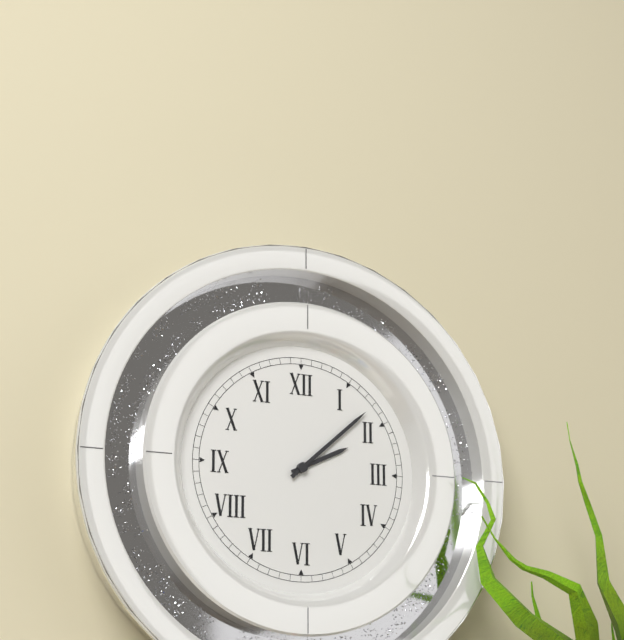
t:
2 h 08 min
